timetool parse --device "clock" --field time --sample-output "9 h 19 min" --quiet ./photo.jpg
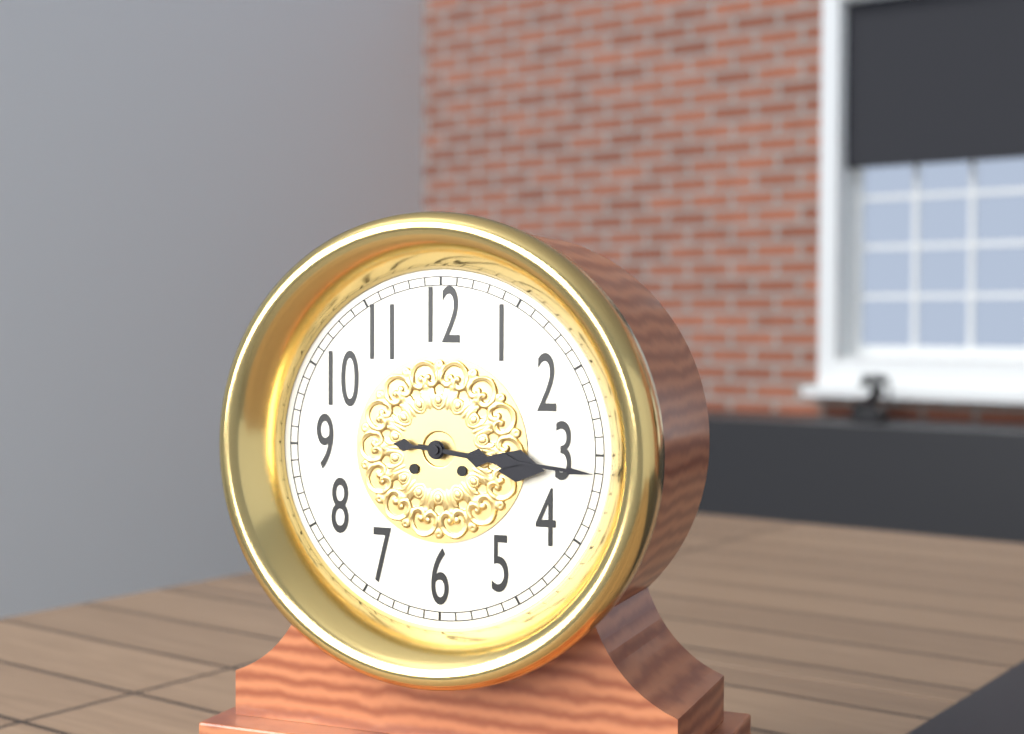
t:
3 h 16 min
